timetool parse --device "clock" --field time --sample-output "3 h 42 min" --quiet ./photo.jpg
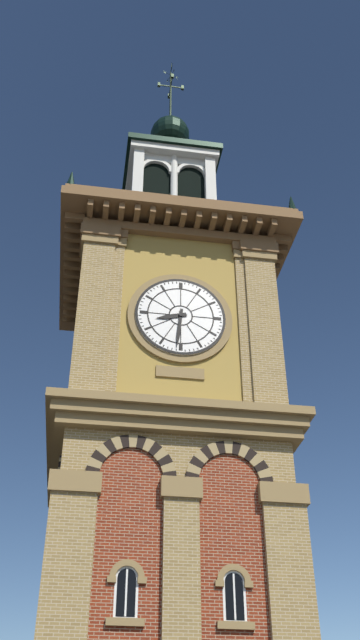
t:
8 h 31 min
